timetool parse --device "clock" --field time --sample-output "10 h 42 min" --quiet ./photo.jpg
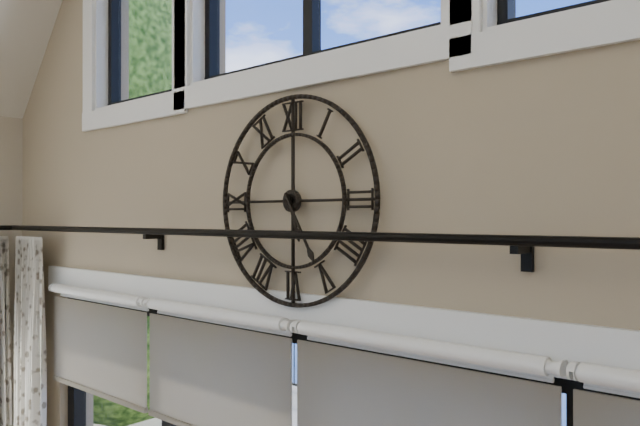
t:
5 h 25 min
